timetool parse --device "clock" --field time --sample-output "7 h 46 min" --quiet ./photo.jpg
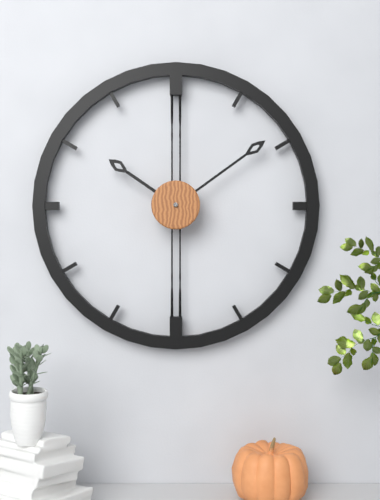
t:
10 h 09 min
